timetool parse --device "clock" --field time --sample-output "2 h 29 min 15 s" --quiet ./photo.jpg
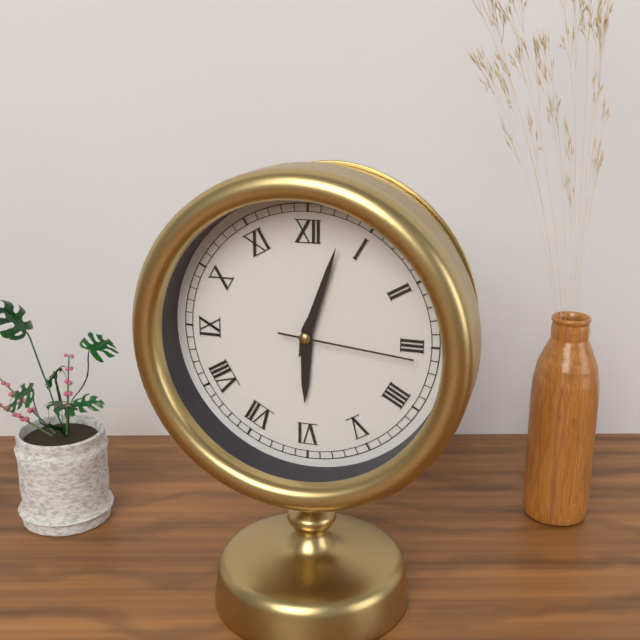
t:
6 h 03 min 16 s
